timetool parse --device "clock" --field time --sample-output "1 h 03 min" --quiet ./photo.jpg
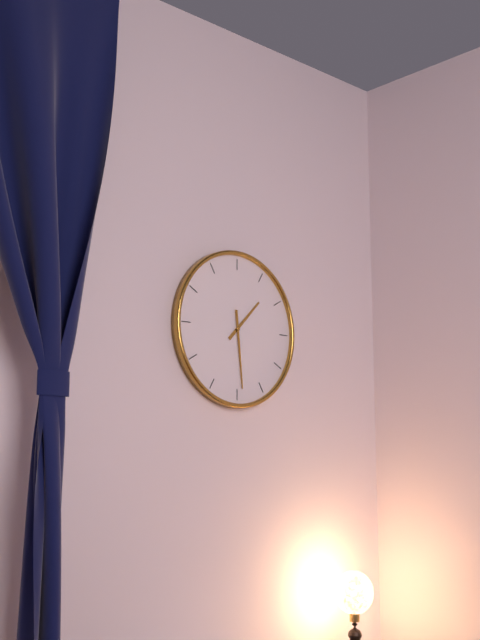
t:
1 h 29 min
